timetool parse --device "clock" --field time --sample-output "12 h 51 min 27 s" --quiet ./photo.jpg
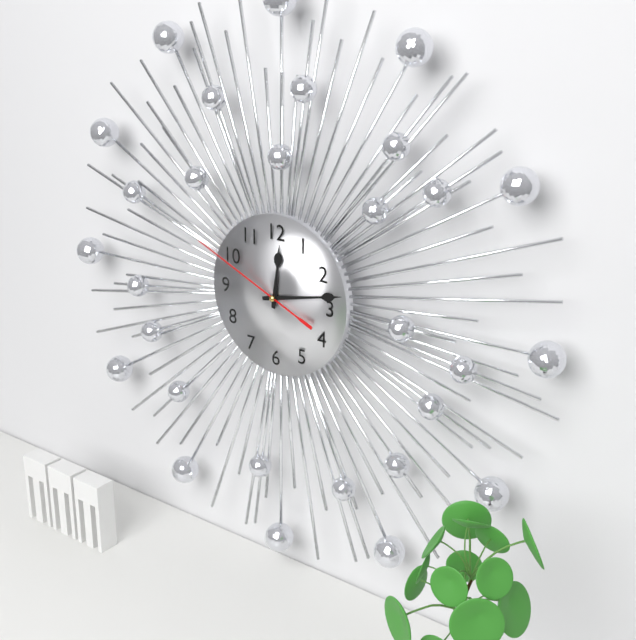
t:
12 h 13 min 49 s
